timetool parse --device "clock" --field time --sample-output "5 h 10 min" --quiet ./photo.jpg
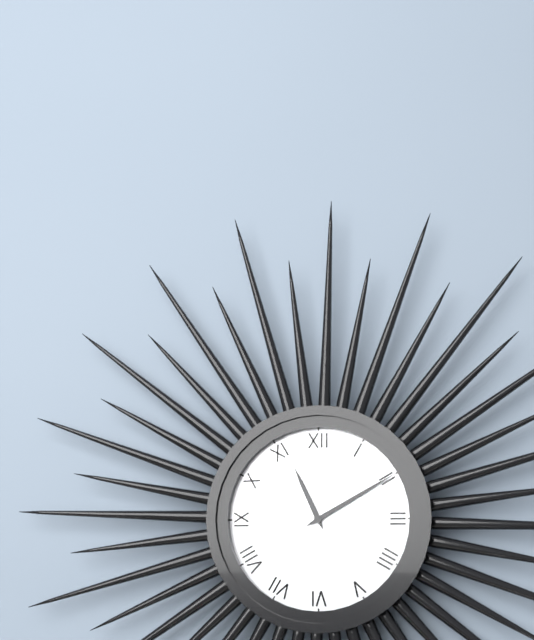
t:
11 h 10 min
